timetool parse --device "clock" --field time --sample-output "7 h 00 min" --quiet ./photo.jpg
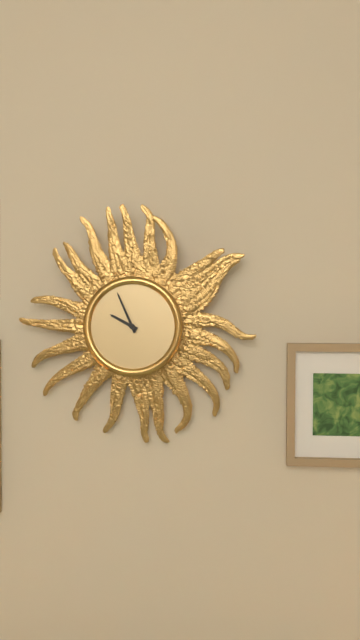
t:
9 h 56 min
